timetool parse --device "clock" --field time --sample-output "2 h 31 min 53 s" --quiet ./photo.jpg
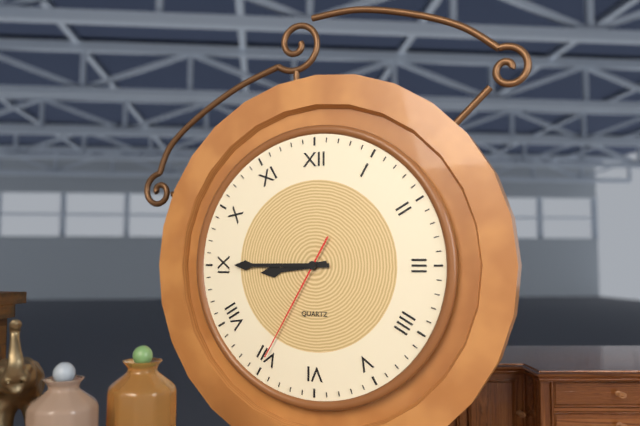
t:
8 h 45 min 35 s
